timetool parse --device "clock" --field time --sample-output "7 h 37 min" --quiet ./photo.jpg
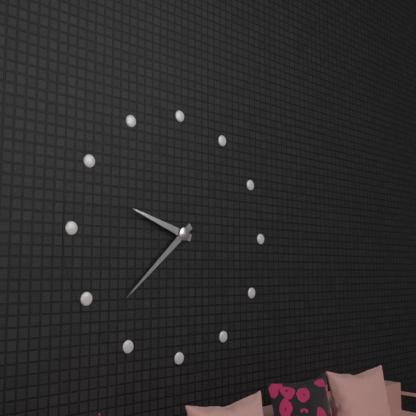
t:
9 h 38 min
